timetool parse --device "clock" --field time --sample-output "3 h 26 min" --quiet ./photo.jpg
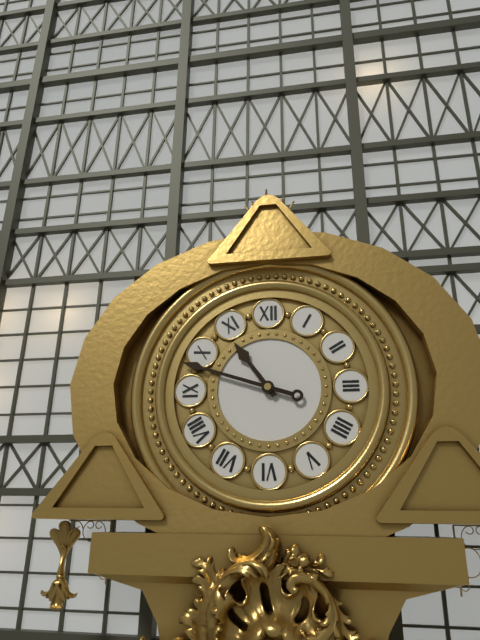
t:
10 h 48 min
